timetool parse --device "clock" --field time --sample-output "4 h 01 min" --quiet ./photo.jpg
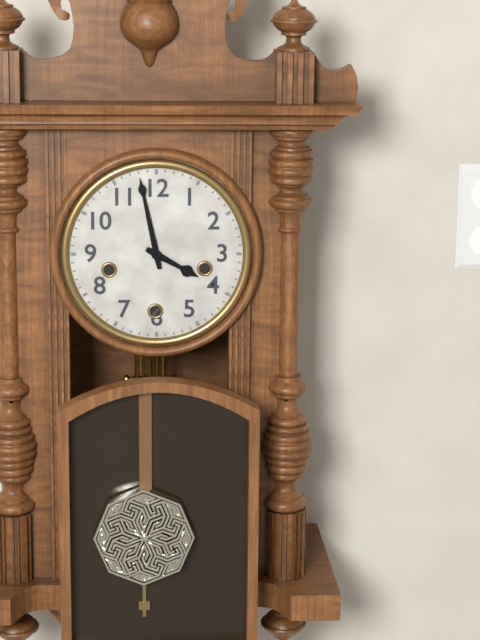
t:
3 h 58 min
